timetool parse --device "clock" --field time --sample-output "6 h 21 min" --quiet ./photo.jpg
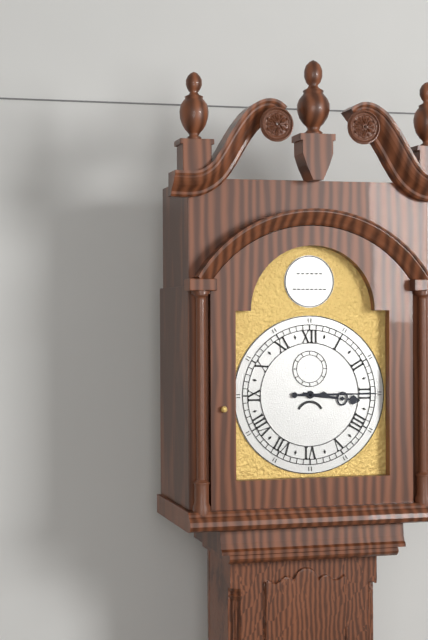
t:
3 h 15 min
